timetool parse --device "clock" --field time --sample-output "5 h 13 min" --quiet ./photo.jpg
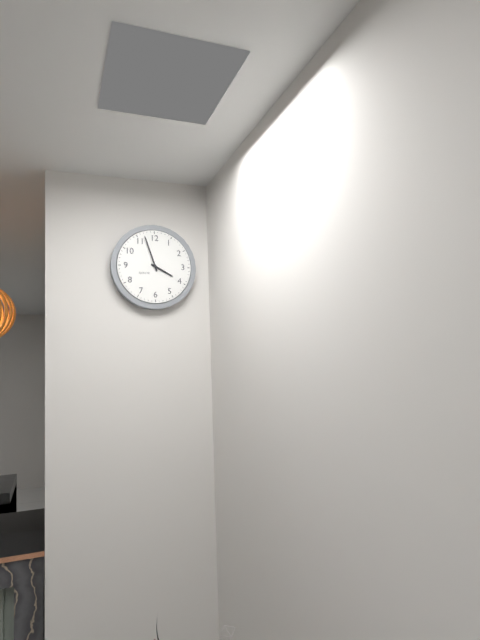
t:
3 h 57 min
